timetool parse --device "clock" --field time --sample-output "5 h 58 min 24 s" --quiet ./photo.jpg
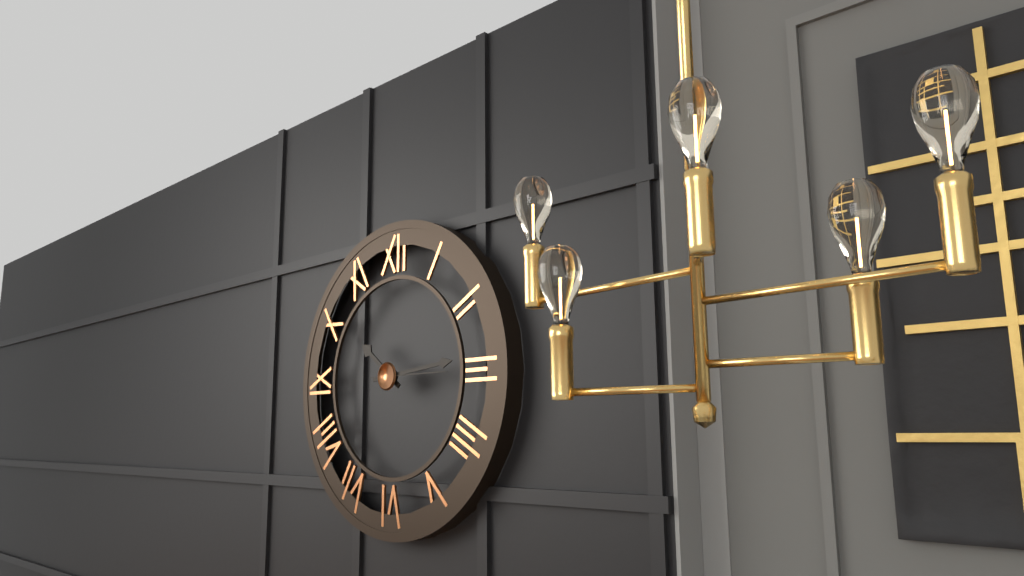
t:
10 h 14 min 15 s
